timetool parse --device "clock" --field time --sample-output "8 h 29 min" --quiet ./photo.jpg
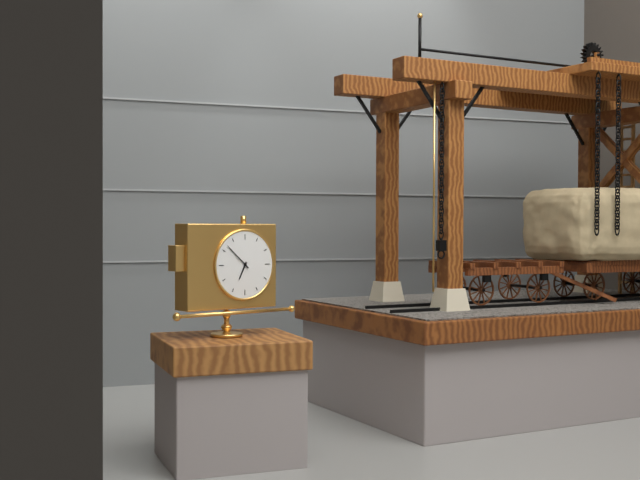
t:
6 h 52 min
